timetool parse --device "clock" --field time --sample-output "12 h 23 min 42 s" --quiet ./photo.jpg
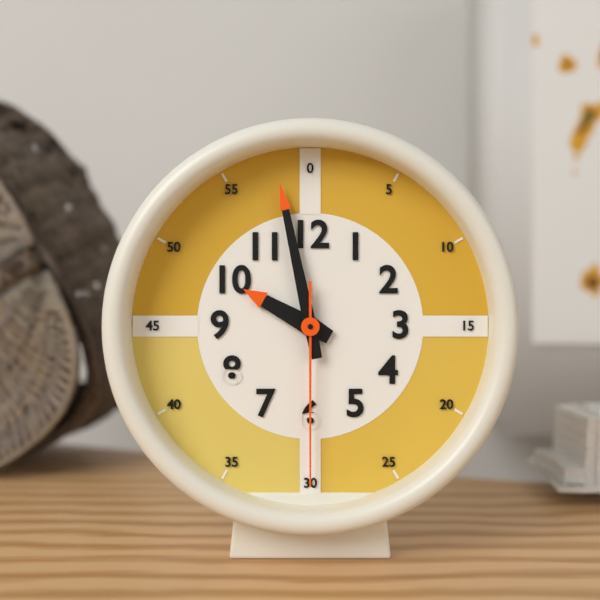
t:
9 h 58 min 30 s
